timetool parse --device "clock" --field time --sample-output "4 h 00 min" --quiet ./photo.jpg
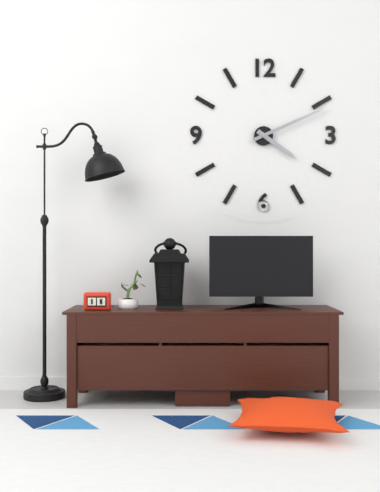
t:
4 h 11 min
